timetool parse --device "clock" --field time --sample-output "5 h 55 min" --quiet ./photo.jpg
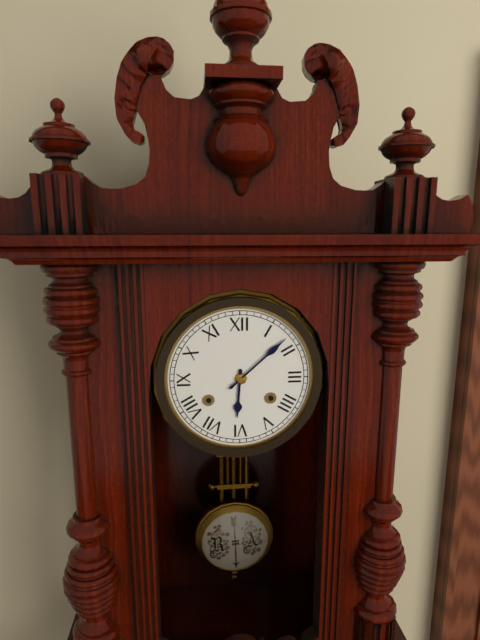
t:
6 h 08 min
